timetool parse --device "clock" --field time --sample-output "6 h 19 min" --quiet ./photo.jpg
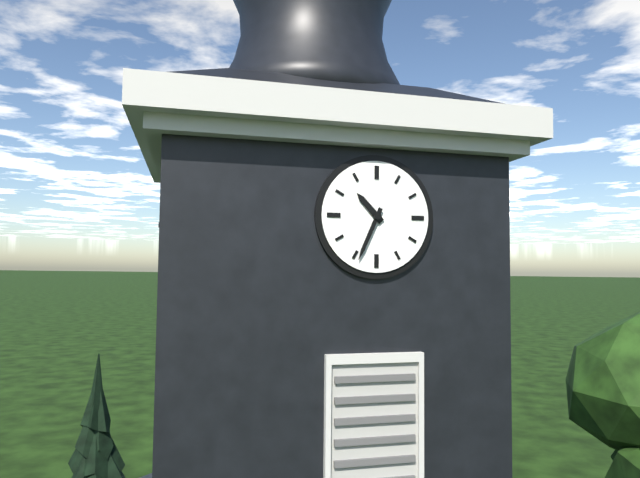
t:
10 h 34 min
